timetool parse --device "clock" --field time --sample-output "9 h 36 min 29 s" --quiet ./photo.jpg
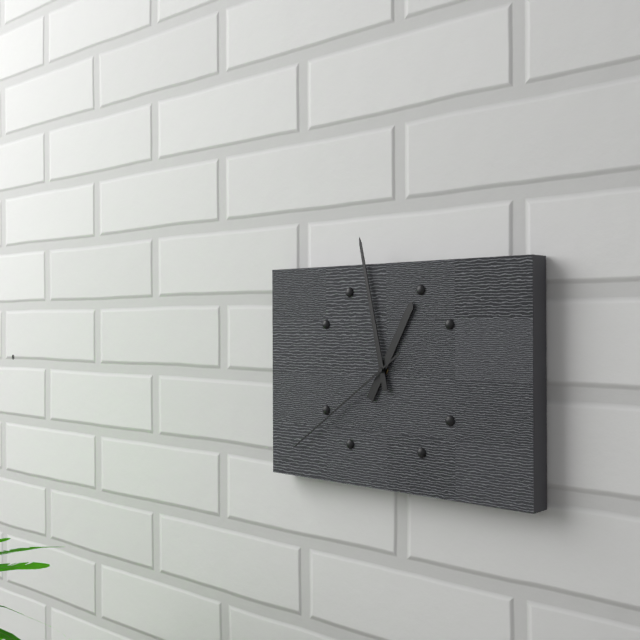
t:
12 h 58 min 39 s
